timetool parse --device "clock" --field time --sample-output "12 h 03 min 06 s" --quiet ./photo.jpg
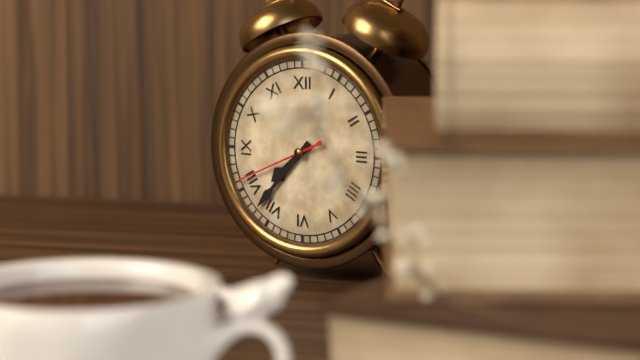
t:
7 h 37 min 41 s
